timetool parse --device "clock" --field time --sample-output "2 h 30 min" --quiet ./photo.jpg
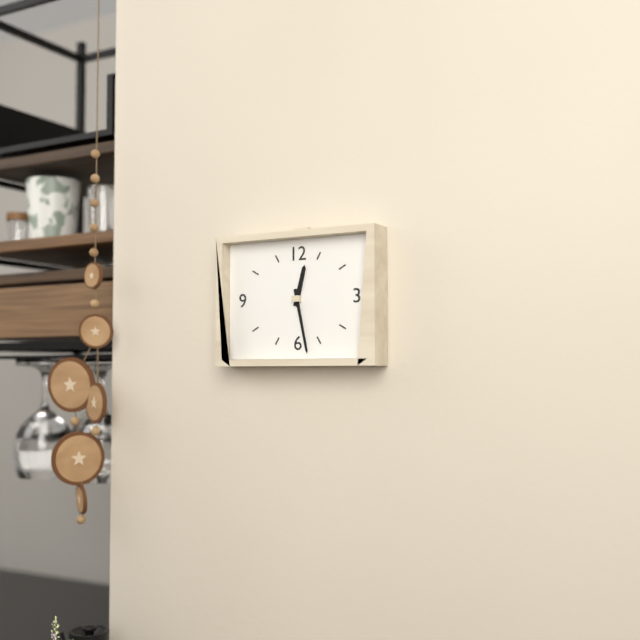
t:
12 h 28 min
